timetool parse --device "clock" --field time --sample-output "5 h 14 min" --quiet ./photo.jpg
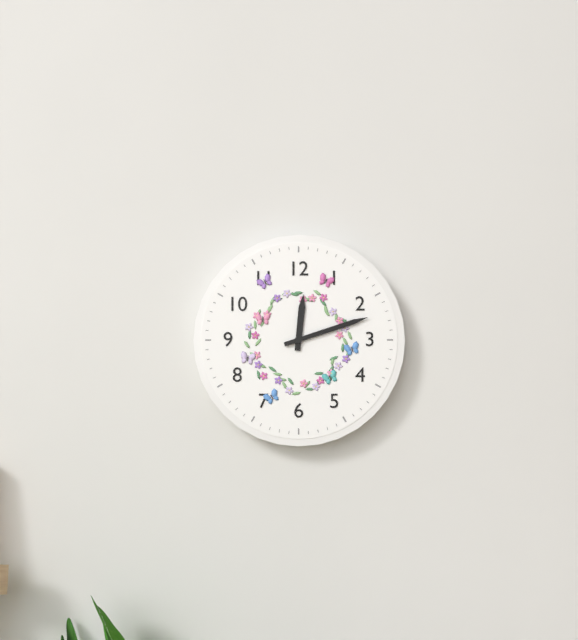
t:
12 h 12 min
